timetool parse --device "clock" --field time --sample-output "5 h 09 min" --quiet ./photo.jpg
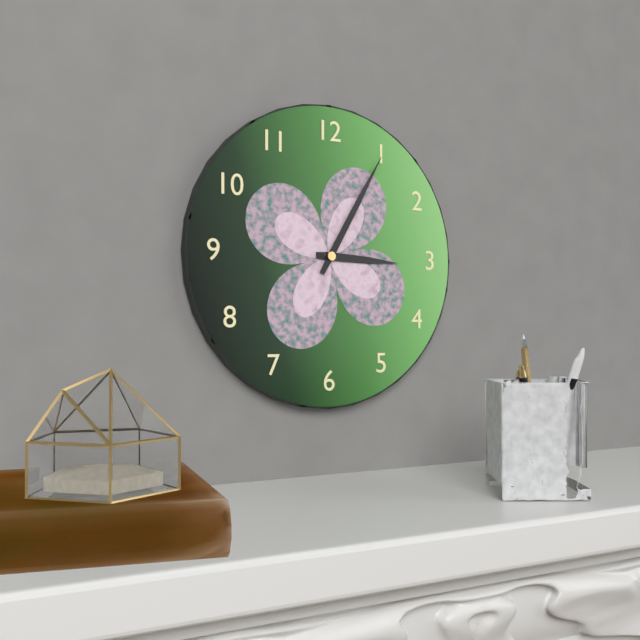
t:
3 h 05 min
